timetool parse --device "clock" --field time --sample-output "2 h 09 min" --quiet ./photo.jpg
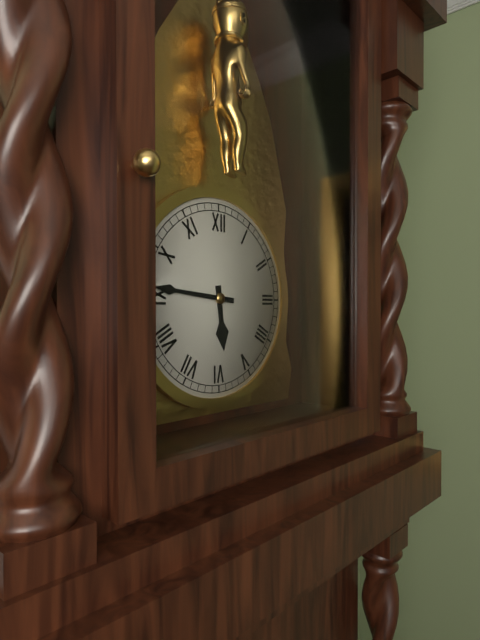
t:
5 h 46 min
